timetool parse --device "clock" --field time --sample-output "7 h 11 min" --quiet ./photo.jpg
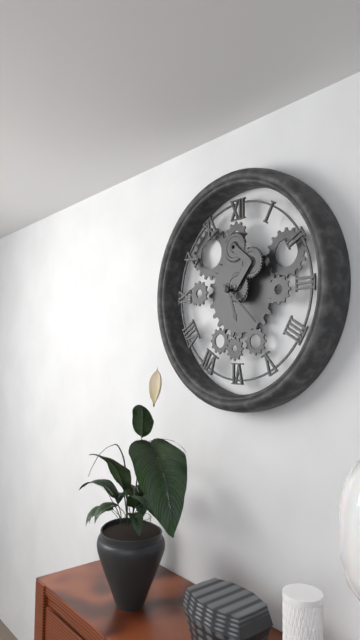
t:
5 h 22 min
